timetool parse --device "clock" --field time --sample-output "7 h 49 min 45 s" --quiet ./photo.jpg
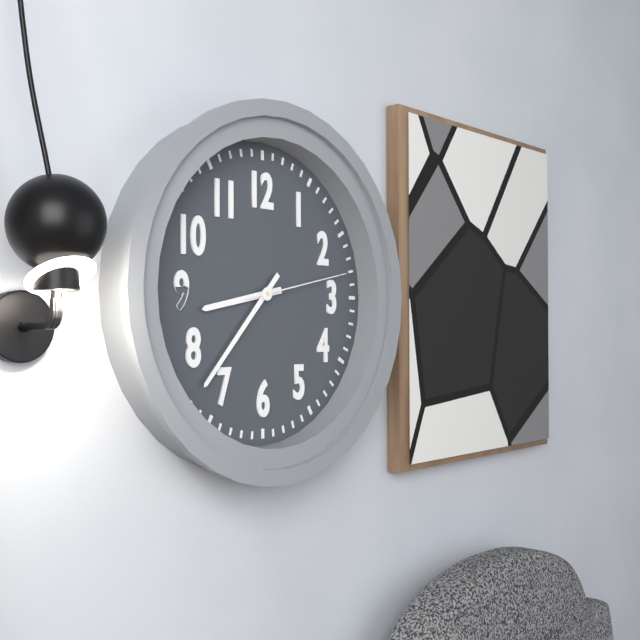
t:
8 h 37 min 13 s
